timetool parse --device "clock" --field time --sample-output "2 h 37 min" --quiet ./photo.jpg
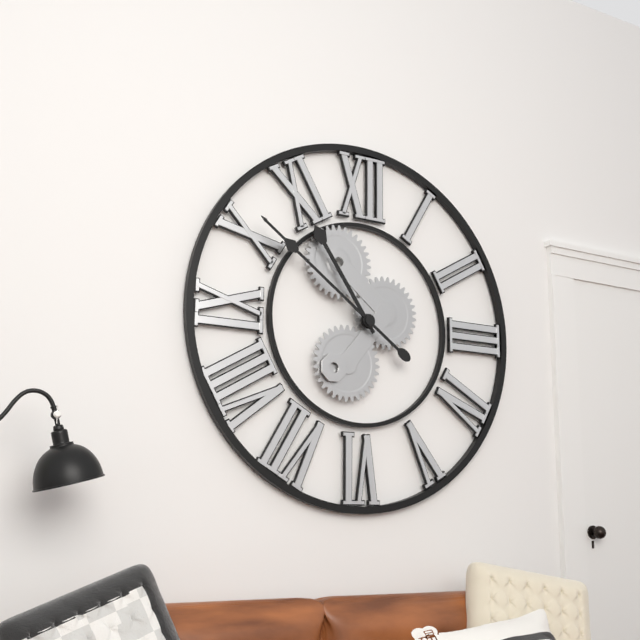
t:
10 h 51 min
